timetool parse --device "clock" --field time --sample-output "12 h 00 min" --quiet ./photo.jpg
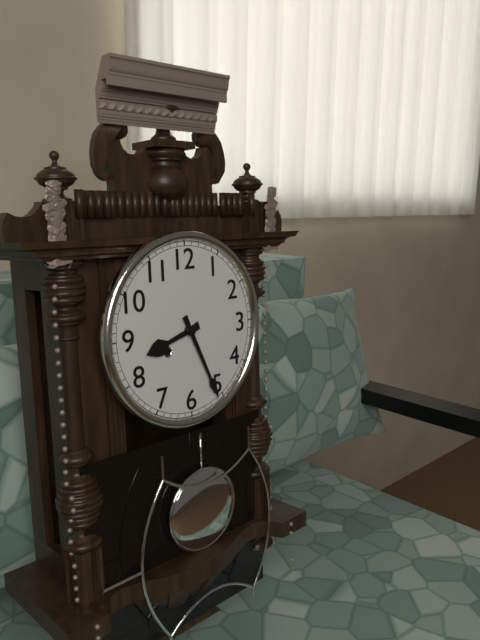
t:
8 h 26 min
